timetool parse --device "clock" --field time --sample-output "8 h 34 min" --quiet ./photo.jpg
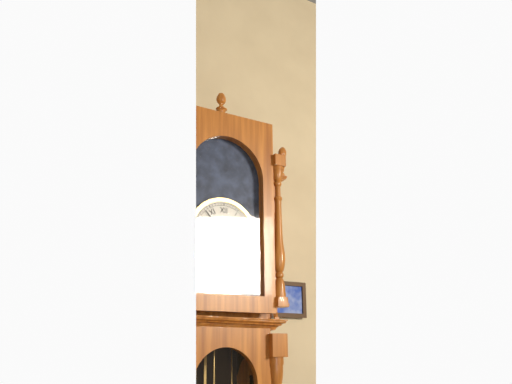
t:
1 h 53 min
